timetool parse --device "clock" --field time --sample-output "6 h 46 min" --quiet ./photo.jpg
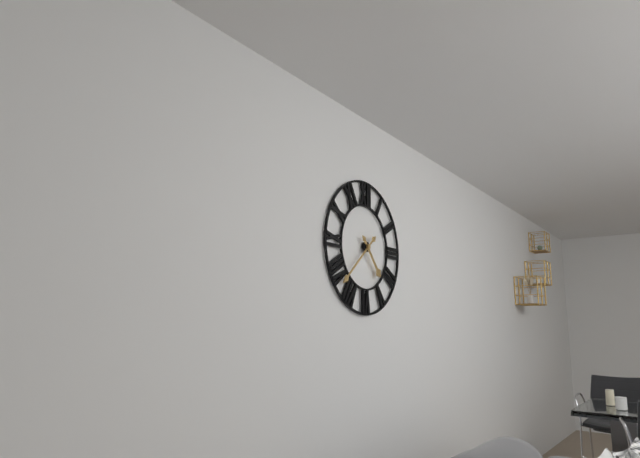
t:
4 h 38 min
